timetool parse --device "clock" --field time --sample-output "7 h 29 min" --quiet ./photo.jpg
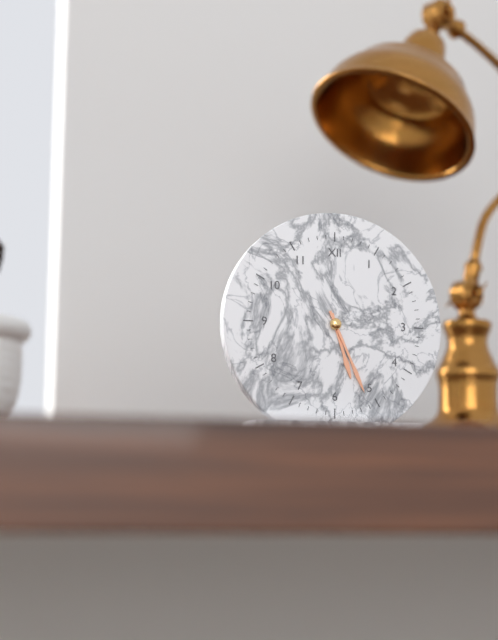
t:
5 h 26 min
